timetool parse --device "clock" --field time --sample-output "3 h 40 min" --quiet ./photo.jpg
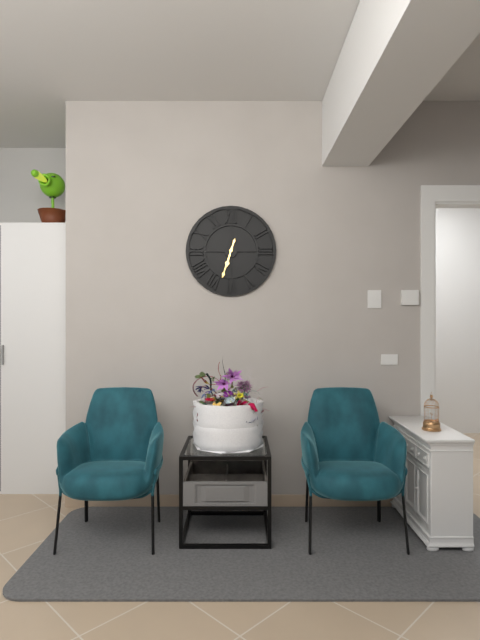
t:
6 h 33 min
